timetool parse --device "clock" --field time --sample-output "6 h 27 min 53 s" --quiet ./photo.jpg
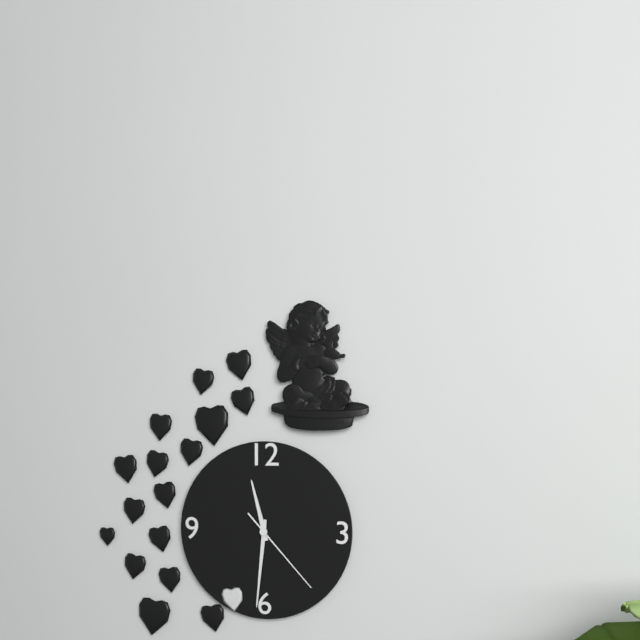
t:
11 h 31 min 23 s
